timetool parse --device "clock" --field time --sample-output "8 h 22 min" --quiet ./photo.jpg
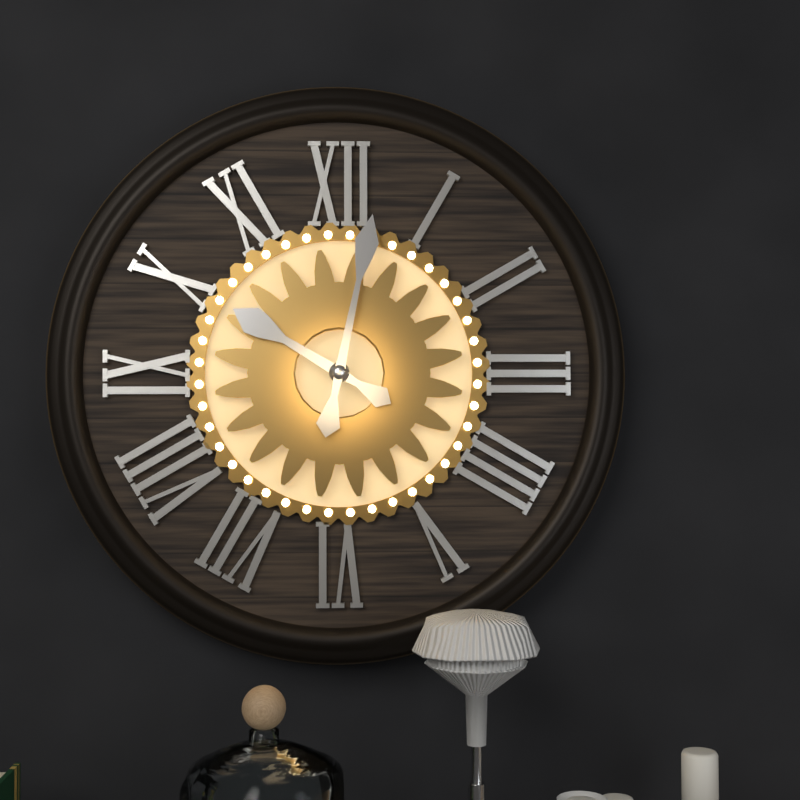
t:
10 h 02 min
